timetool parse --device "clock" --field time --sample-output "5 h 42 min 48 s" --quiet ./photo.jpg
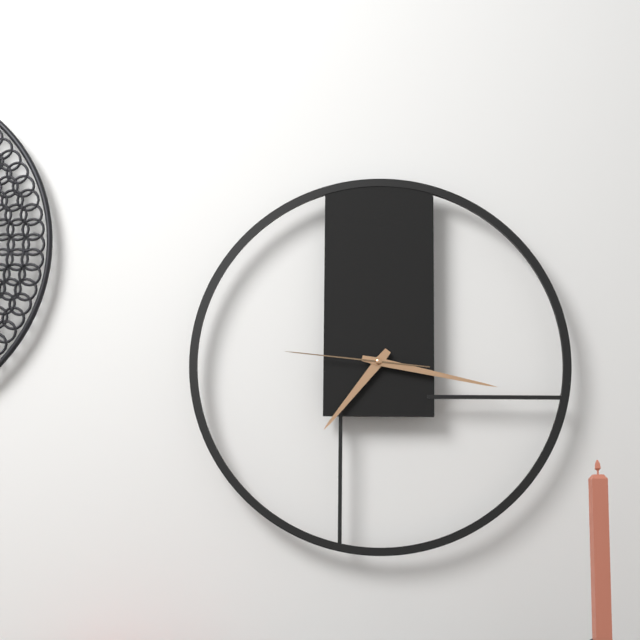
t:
7 h 17 min 46 s
